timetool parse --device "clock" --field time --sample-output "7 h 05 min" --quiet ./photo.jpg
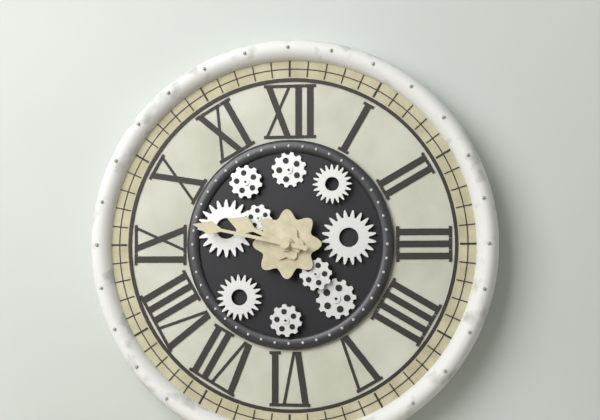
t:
9 h 47 min
